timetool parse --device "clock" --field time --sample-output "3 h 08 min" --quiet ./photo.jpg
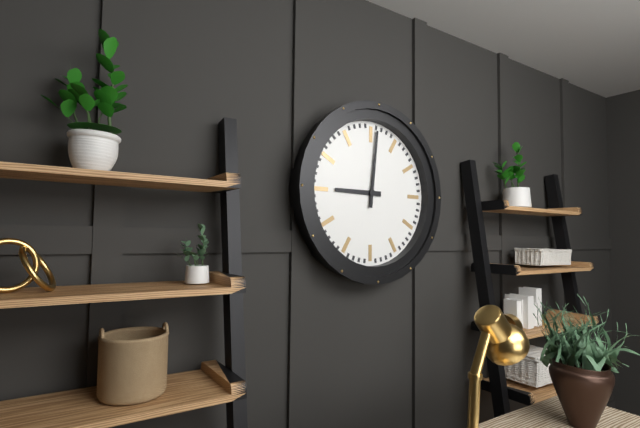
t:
9 h 01 min
